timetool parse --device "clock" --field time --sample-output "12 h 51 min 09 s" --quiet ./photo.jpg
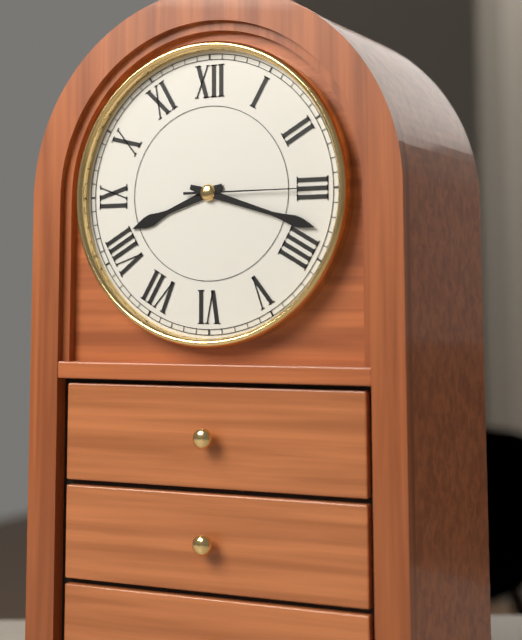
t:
8 h 18 min 15 s
